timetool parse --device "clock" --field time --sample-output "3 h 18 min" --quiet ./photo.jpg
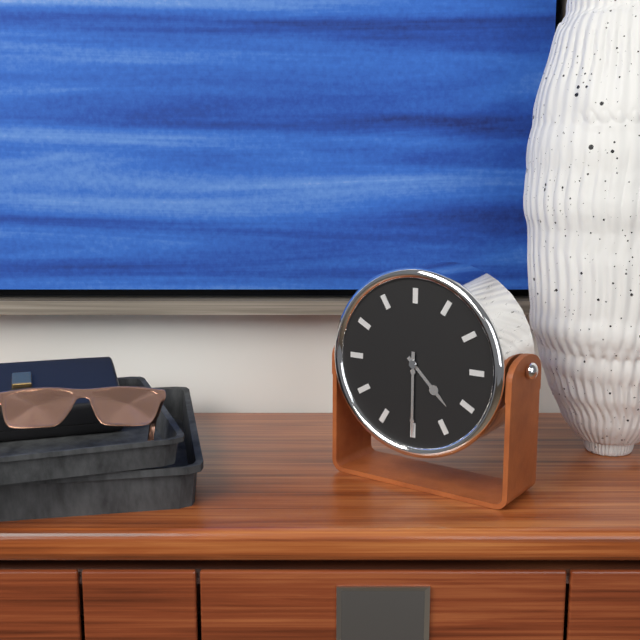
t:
4 h 30 min
